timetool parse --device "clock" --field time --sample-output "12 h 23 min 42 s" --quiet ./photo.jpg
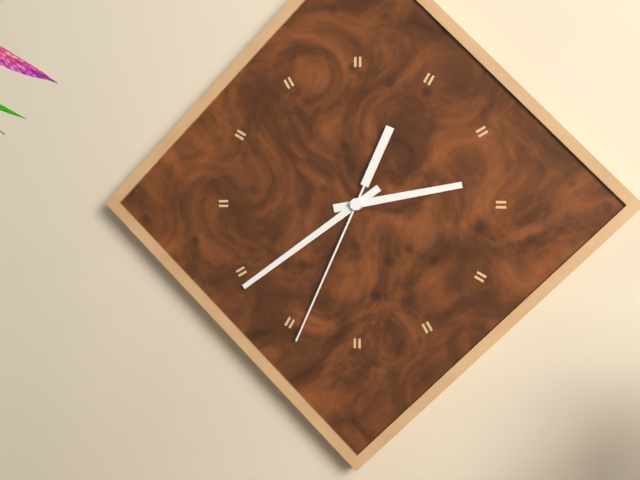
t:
2 h 39 min 34 s
